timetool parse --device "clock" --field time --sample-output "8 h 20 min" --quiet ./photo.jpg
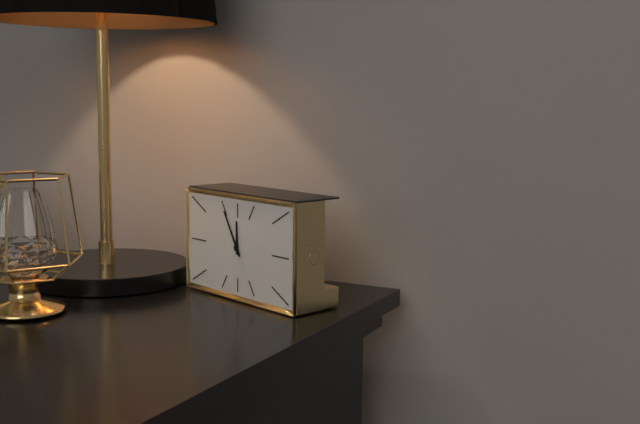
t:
11 h 55 min
